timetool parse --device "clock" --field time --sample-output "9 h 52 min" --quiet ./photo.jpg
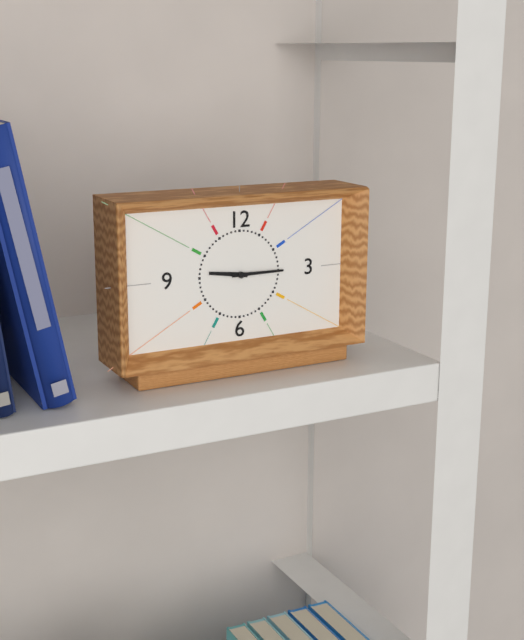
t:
9 h 15 min
